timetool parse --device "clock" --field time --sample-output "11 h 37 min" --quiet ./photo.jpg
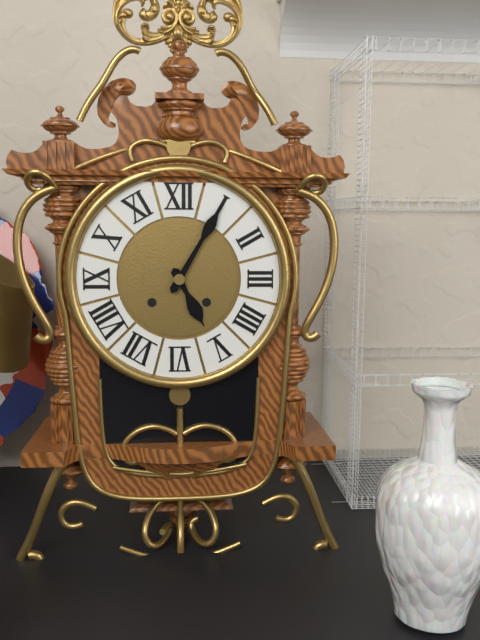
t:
5 h 05 min
